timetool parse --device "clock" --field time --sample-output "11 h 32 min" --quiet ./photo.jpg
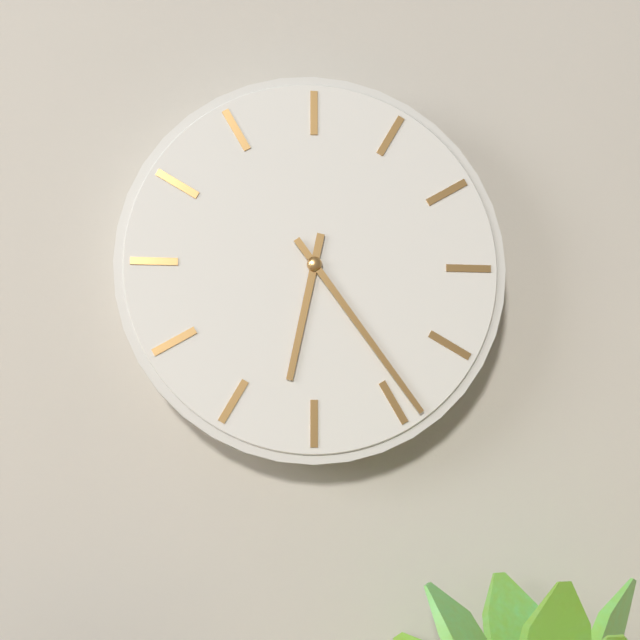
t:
6 h 24 min
